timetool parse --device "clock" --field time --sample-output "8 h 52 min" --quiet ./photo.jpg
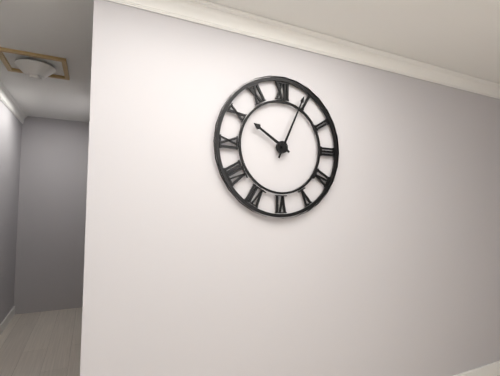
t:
10 h 04 min
